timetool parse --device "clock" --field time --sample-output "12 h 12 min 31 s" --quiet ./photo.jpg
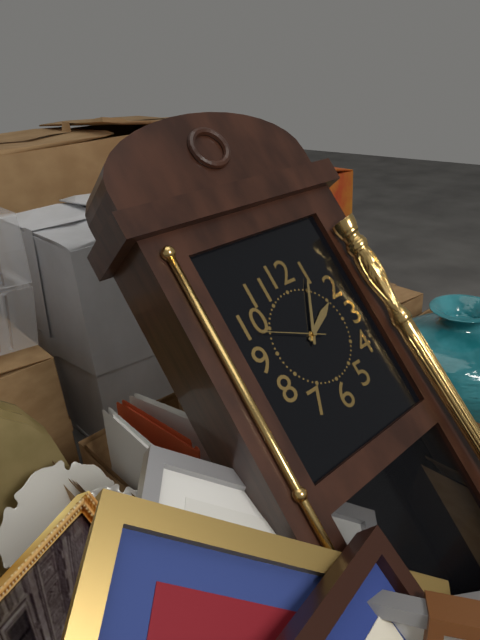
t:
2 h 05 min 49 s
